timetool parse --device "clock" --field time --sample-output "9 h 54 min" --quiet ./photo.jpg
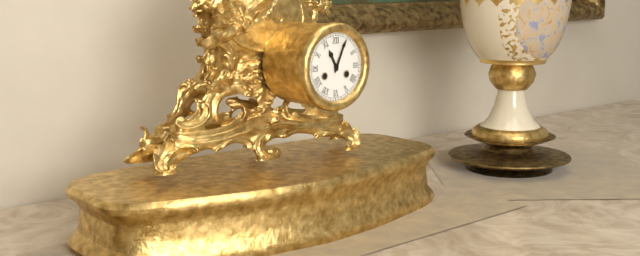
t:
11 h 04 min
